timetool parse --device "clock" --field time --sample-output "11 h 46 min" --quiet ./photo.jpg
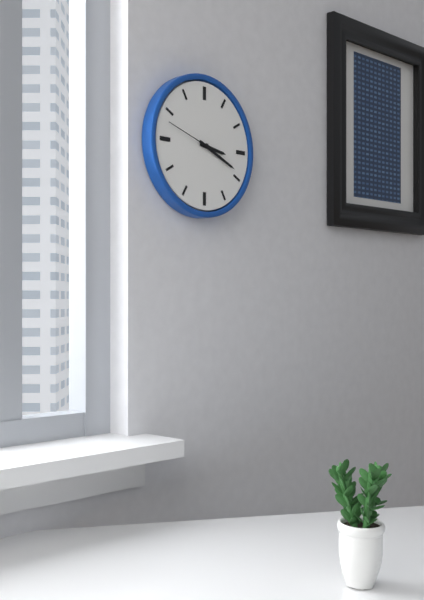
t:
3 h 19 min
